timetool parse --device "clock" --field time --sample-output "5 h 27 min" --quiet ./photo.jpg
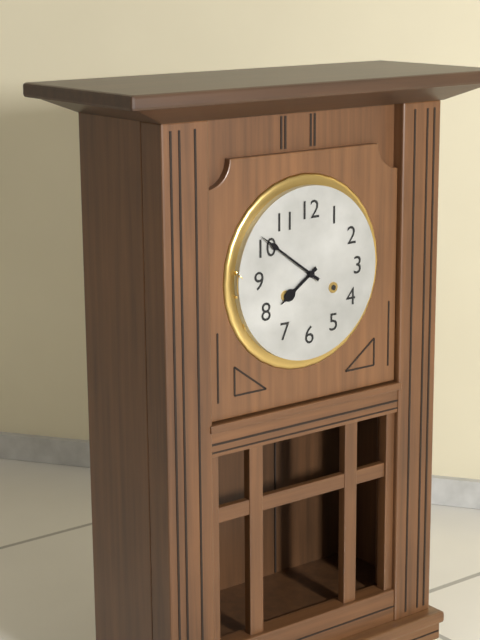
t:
7 h 51 min
